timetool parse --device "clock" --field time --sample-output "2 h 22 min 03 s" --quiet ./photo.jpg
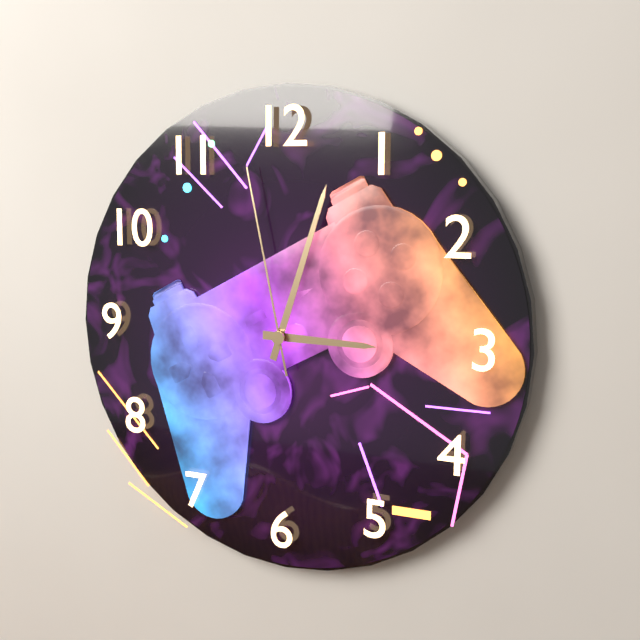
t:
3 h 03 min 58 s
